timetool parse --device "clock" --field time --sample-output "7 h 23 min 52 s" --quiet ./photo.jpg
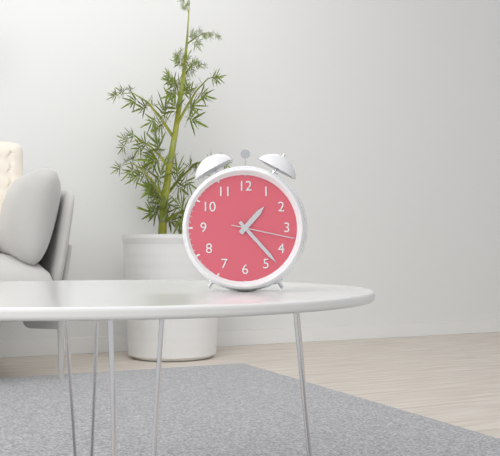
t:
1 h 23 min 17 s
